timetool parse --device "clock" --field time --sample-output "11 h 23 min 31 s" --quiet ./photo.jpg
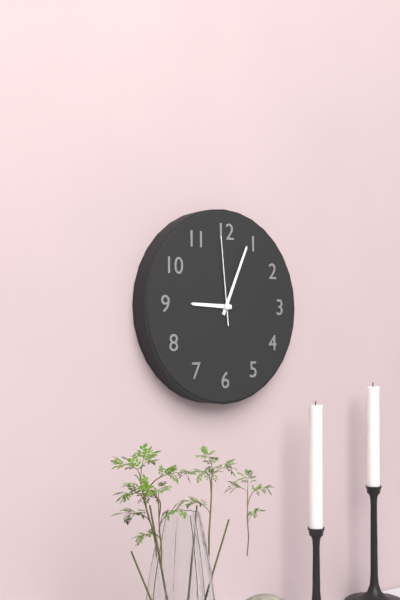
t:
9 h 04 min 59 s
